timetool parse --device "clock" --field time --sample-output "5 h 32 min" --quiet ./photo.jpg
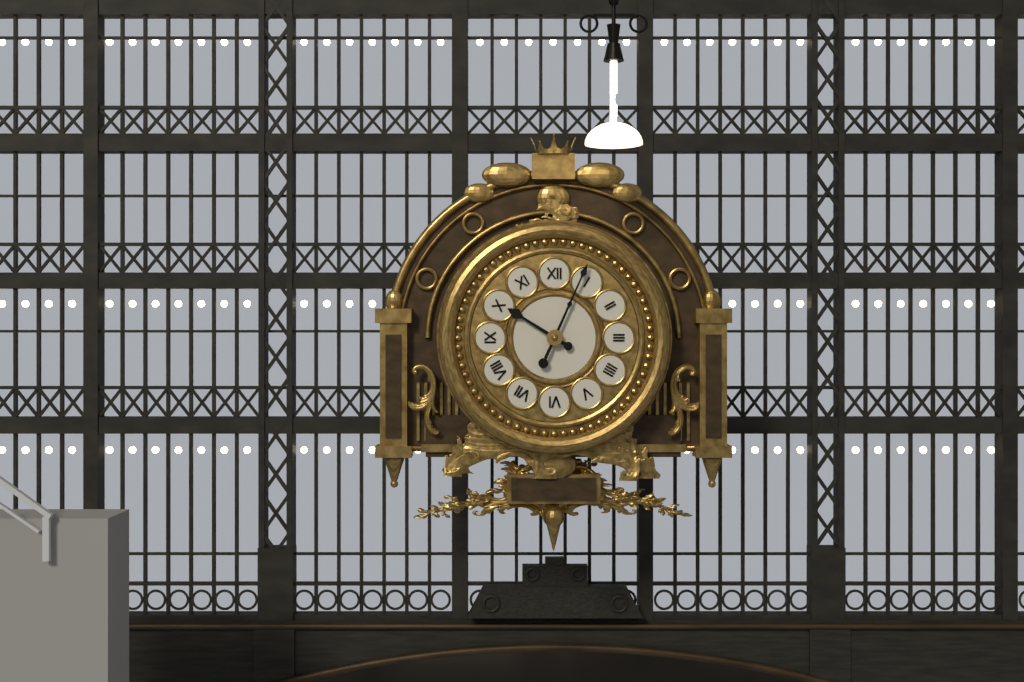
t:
10 h 04 min
